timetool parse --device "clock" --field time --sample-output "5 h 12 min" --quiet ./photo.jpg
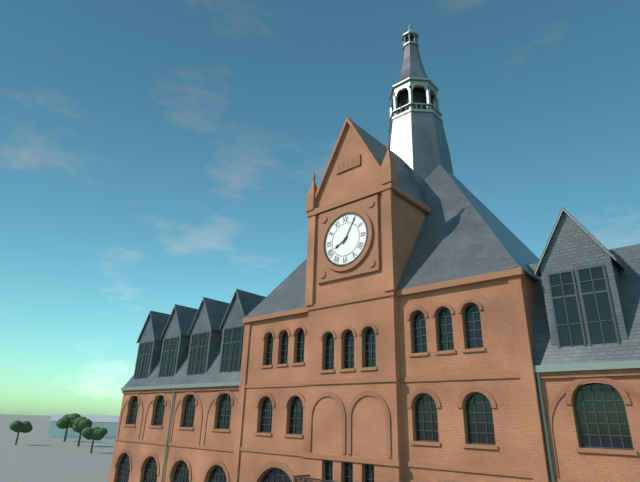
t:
8 h 05 min
